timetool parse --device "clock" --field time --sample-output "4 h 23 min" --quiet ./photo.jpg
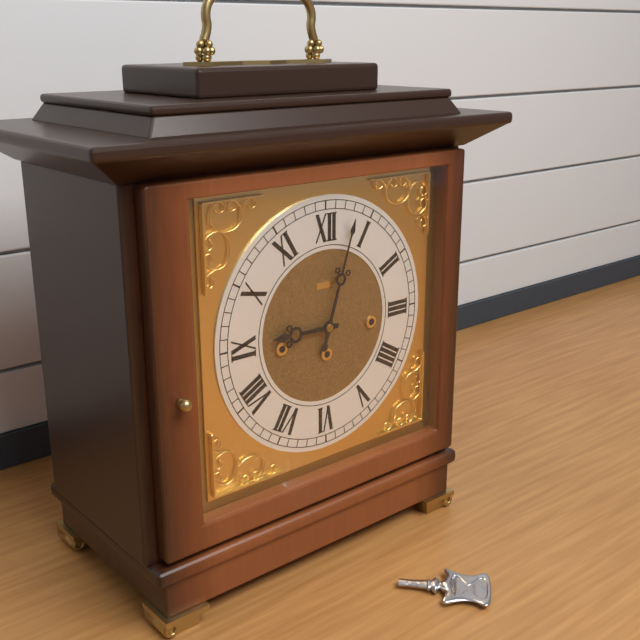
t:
9 h 03 min
